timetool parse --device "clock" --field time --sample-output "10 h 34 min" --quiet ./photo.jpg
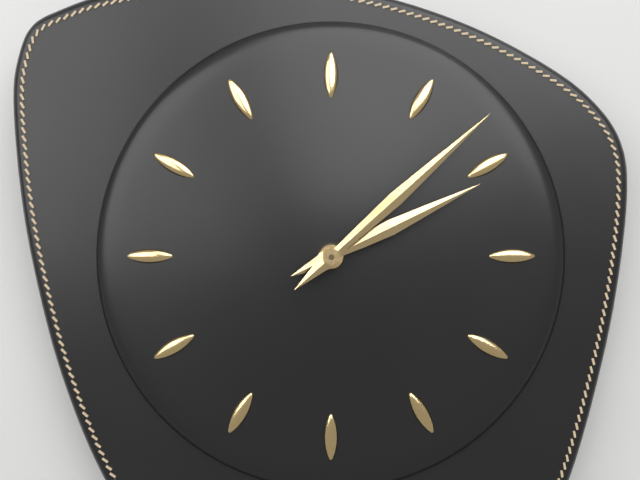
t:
2 h 08 min
